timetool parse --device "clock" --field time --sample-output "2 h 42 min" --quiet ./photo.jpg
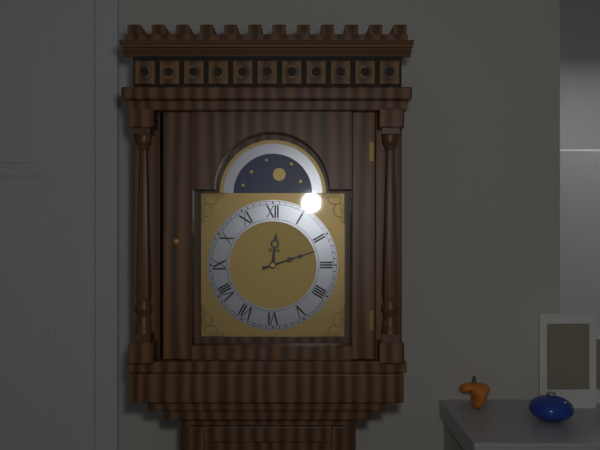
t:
12 h 12 min
